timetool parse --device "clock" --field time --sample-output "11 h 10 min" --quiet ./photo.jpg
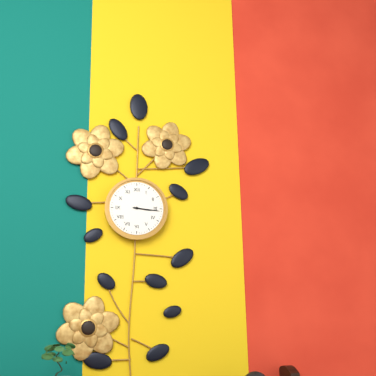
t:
3 h 16 min
